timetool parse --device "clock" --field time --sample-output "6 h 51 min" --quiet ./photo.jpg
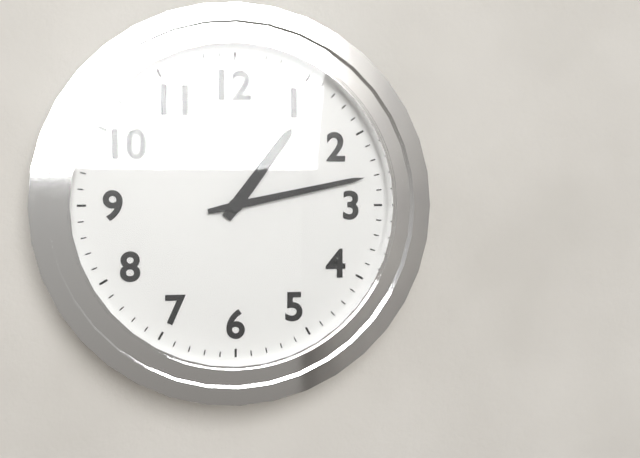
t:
1 h 13 min
